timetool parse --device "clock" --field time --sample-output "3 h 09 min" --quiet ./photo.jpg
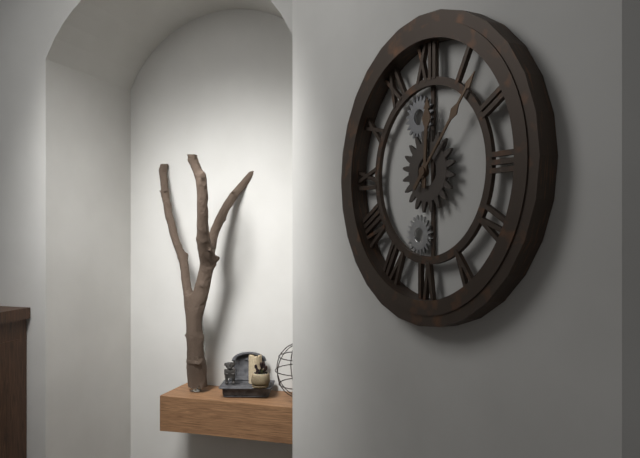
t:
12 h 07 min
